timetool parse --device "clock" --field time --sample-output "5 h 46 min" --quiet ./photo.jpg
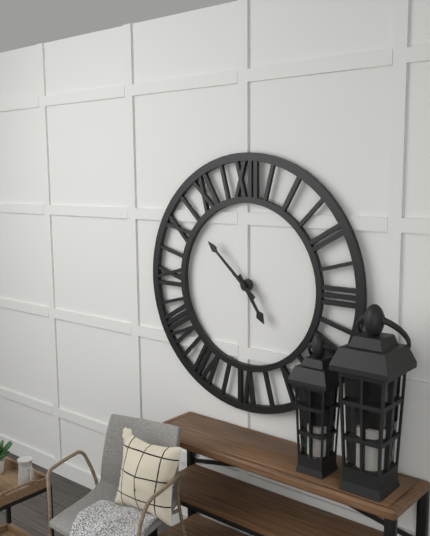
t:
4 h 52 min
